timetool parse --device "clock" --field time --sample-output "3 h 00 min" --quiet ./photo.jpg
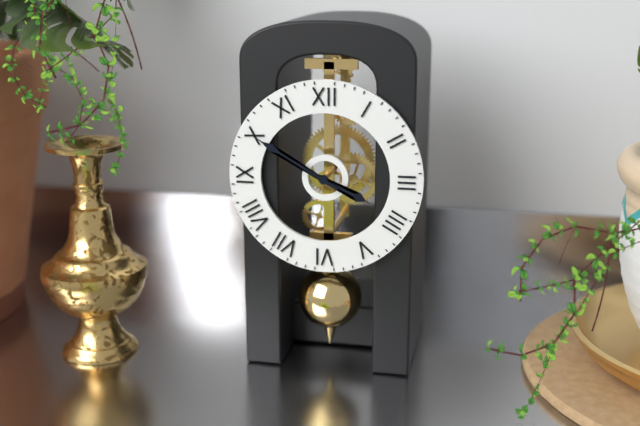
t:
3 h 50 min
